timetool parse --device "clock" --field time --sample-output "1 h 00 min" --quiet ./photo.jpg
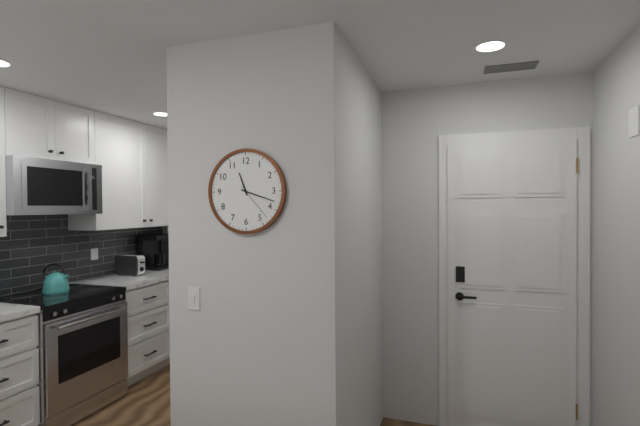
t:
11 h 18 min
